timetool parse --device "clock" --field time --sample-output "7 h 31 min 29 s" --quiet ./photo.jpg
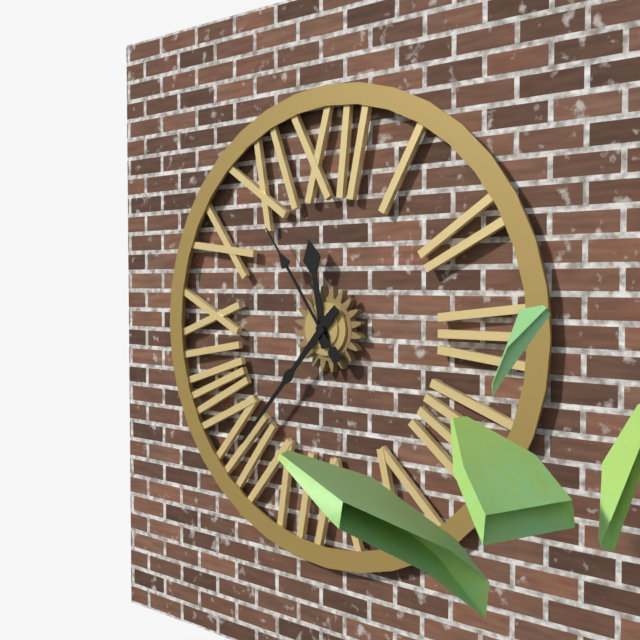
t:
11 h 37 min 54 s
